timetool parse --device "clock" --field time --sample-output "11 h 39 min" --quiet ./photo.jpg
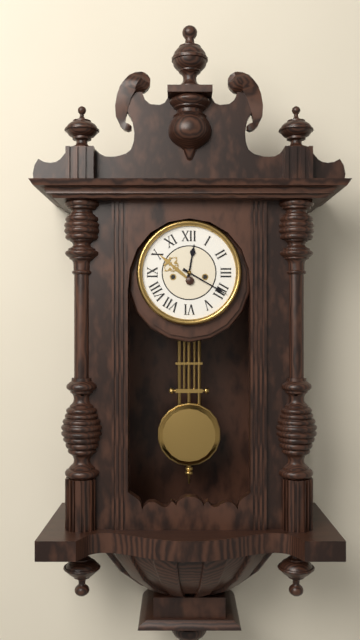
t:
12 h 20 min
